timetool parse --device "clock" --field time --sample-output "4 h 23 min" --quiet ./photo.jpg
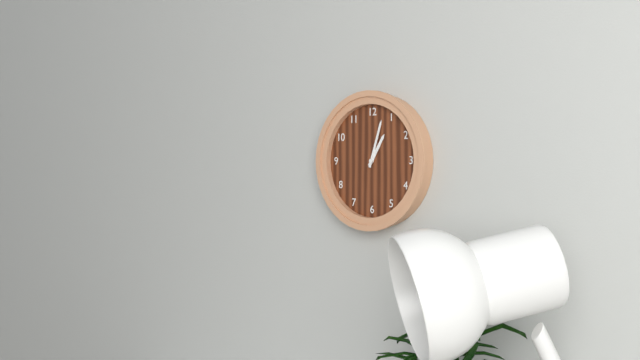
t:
1 h 03 min
